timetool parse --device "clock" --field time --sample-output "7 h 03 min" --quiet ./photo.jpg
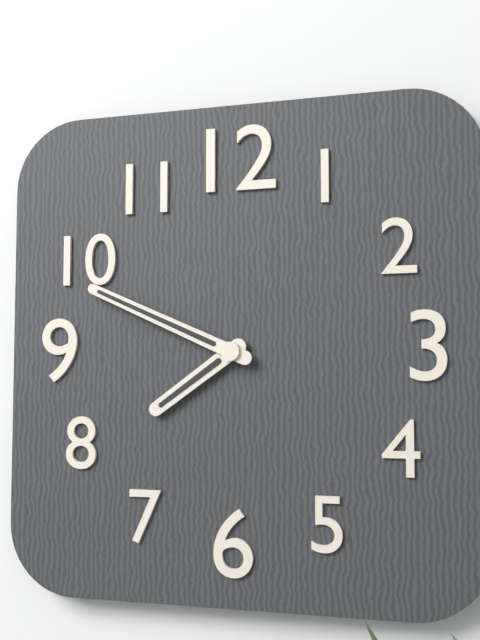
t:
7 h 49 min
